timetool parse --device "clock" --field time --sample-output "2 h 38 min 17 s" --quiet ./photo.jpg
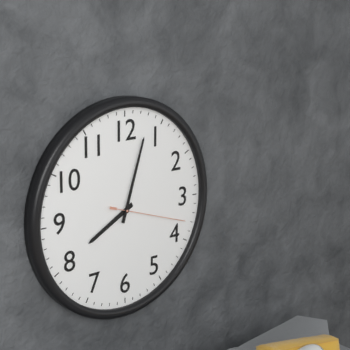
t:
8 h 03 min 18 s
